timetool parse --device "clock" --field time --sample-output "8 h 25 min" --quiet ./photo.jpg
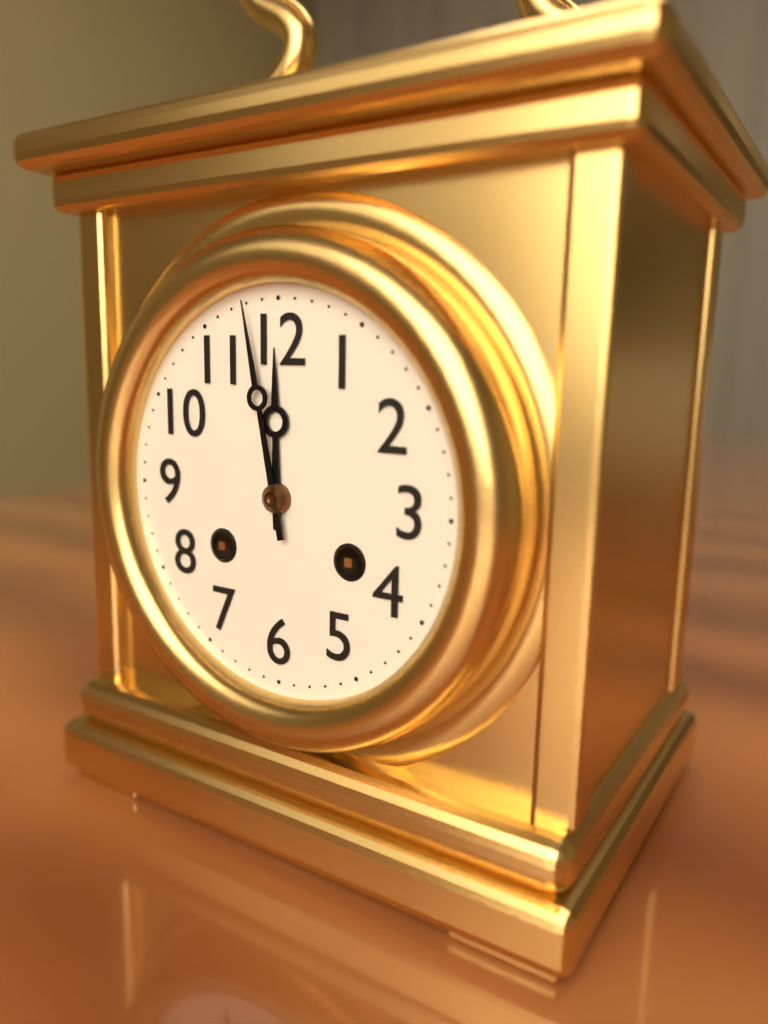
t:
11 h 58 min
